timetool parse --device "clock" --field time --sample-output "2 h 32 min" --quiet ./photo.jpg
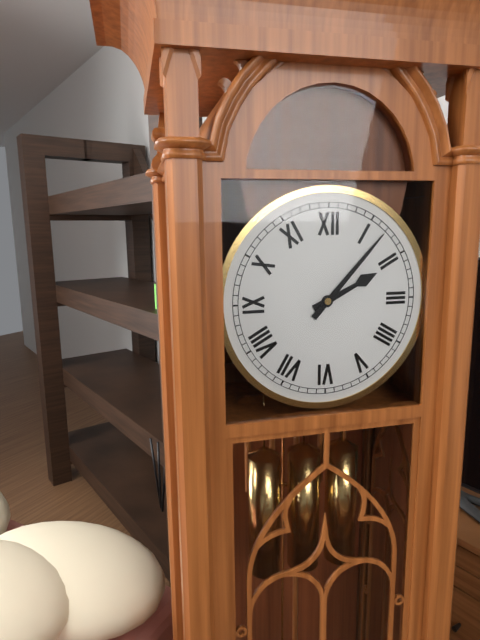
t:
2 h 07 min
